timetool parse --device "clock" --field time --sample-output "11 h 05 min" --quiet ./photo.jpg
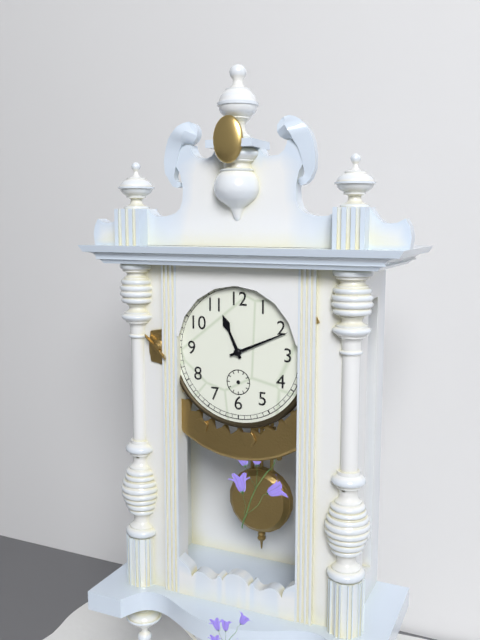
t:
11 h 11 min
